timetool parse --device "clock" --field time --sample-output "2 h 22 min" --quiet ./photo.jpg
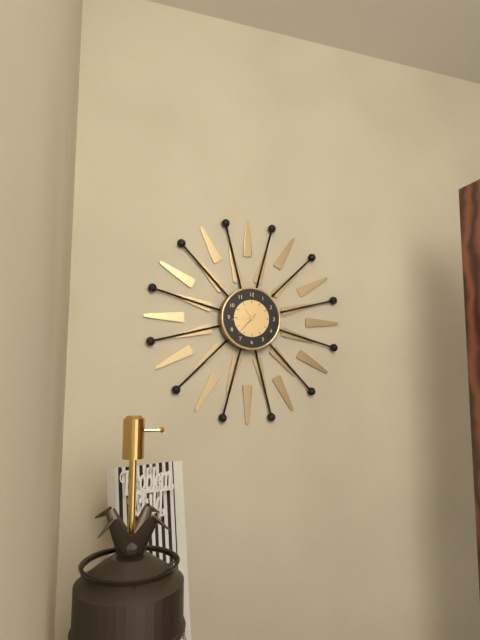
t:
10 h 44 min
